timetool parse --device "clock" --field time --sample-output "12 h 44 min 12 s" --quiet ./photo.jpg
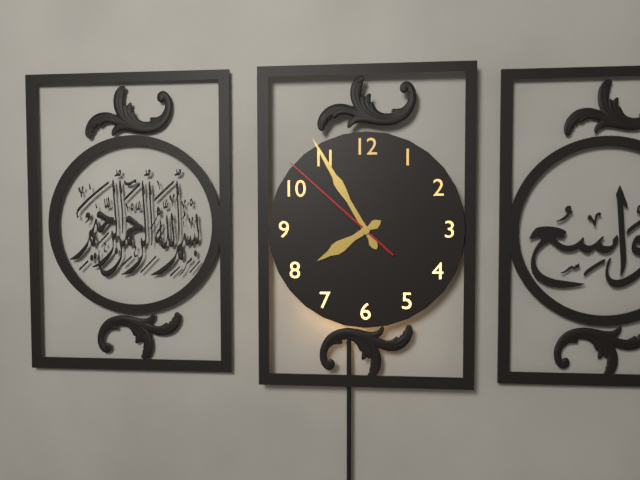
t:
7 h 55 min 52 s
